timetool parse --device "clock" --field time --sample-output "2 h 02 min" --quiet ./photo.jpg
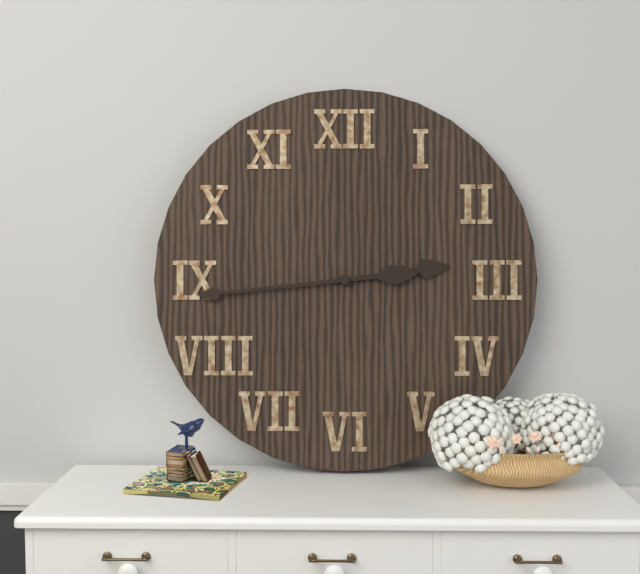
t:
2 h 44 min
